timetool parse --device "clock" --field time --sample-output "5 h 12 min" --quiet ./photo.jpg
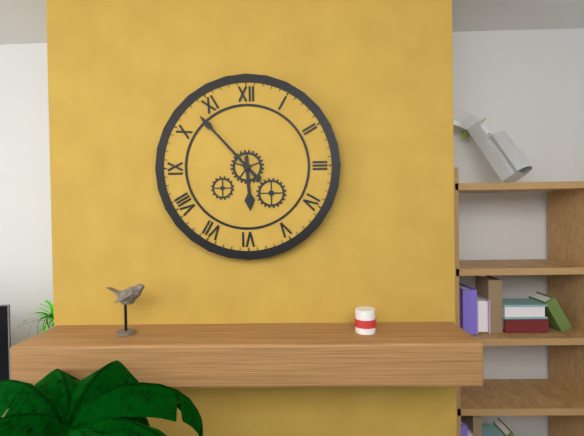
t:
5 h 53 min
